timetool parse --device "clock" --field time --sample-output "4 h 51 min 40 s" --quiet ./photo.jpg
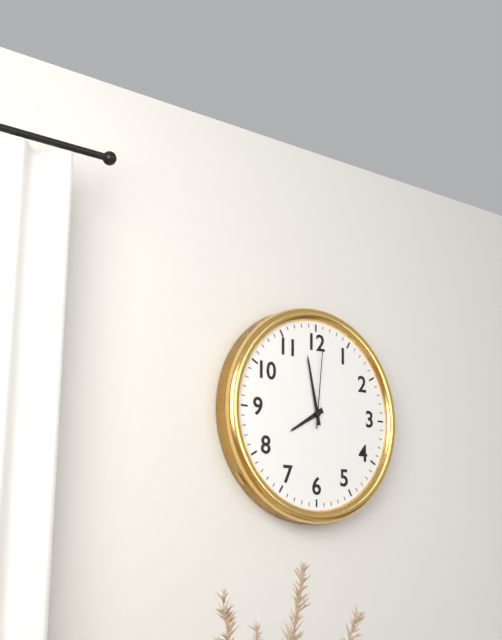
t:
7 h 58 min 01 s
